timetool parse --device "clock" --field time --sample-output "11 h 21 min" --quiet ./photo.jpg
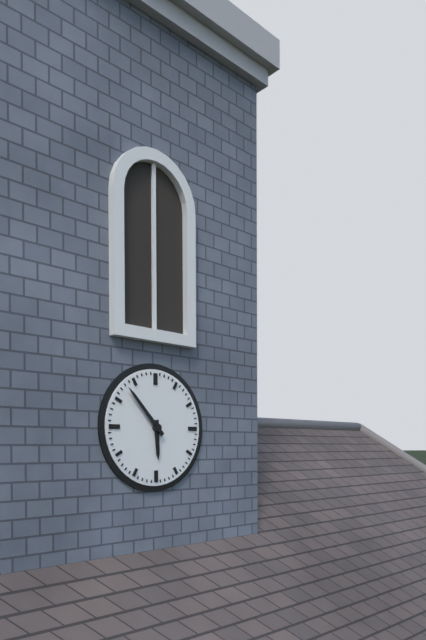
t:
5 h 53 min
